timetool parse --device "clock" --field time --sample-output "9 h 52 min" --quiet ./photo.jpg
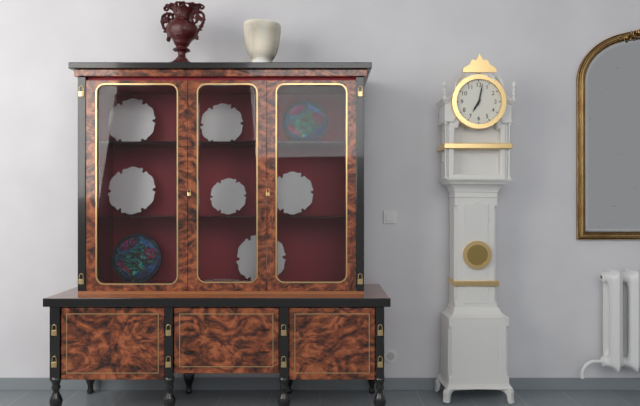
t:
7 h 02 min
